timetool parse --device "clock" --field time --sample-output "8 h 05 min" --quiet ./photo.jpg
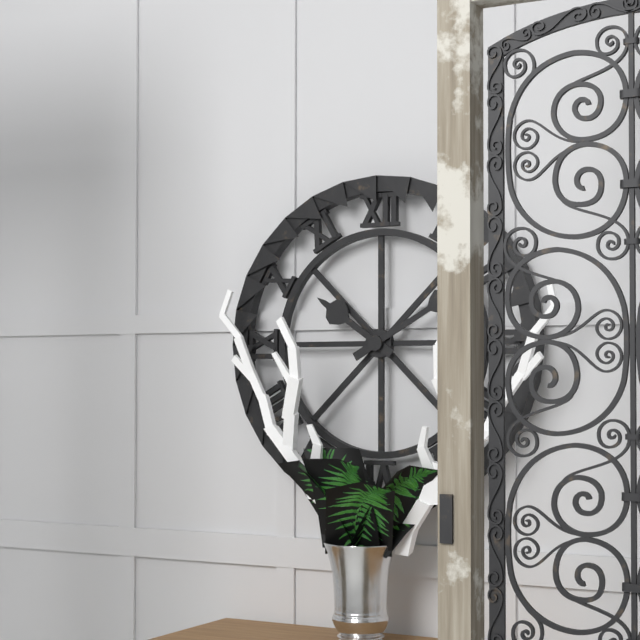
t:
10 h 10 min
